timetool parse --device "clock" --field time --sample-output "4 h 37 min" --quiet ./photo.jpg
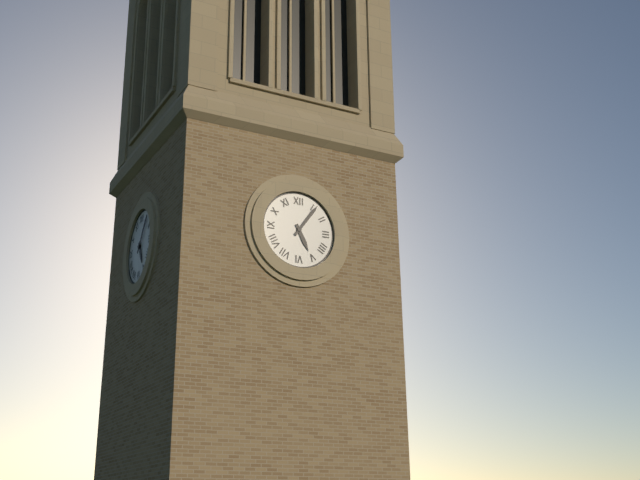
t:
5 h 06 min
